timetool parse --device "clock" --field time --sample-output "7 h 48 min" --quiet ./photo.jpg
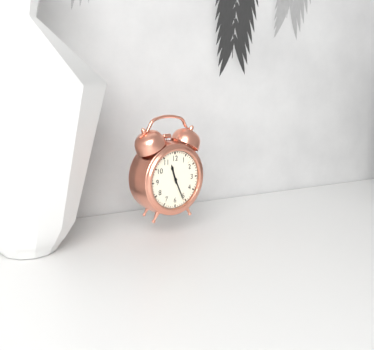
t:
11 h 26 min
